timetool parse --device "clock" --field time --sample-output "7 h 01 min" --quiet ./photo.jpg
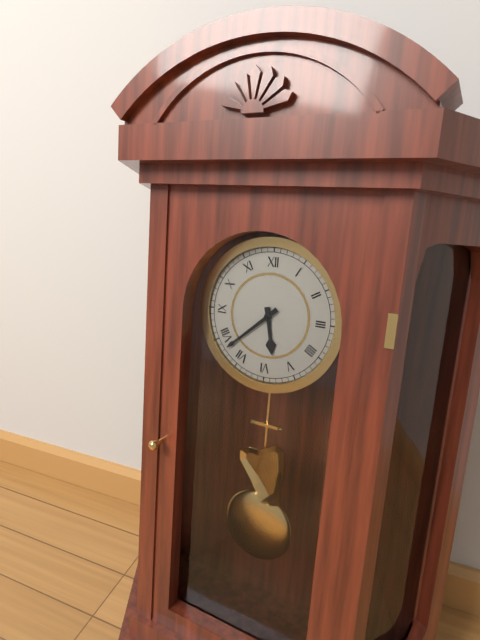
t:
5 h 38 min
